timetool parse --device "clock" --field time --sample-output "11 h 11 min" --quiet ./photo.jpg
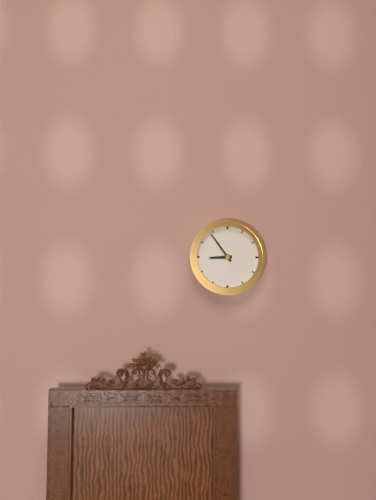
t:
8 h 54 min
